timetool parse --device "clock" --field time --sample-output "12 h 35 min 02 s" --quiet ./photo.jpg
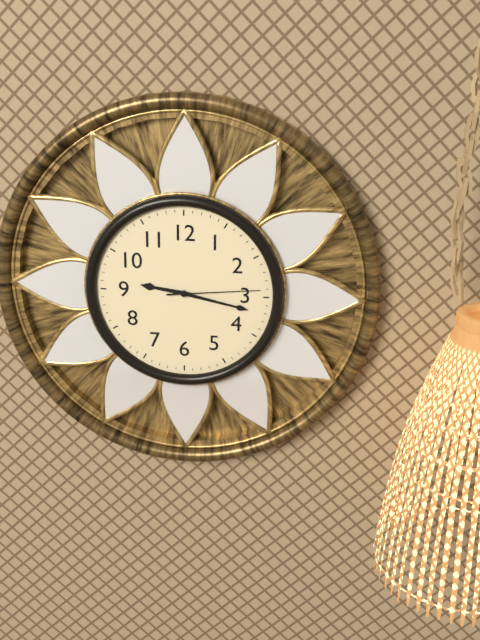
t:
9 h 17 min 14 s
